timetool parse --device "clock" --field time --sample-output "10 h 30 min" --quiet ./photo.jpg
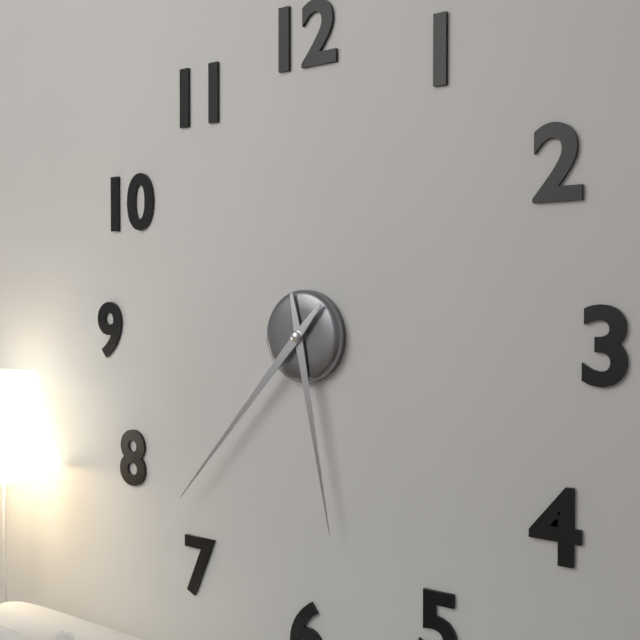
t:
5 h 37 min
